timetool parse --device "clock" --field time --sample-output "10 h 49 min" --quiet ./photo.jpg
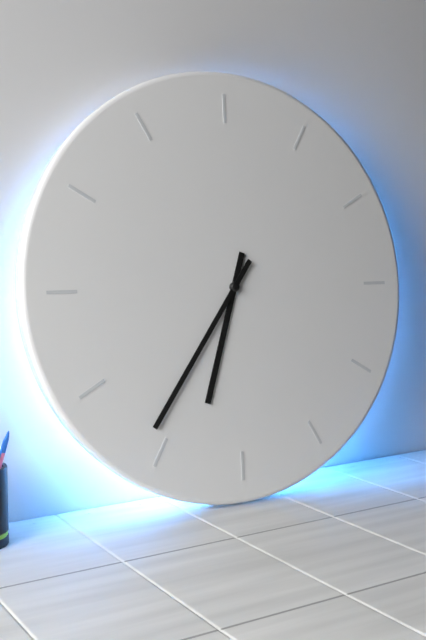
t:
6 h 36 min
